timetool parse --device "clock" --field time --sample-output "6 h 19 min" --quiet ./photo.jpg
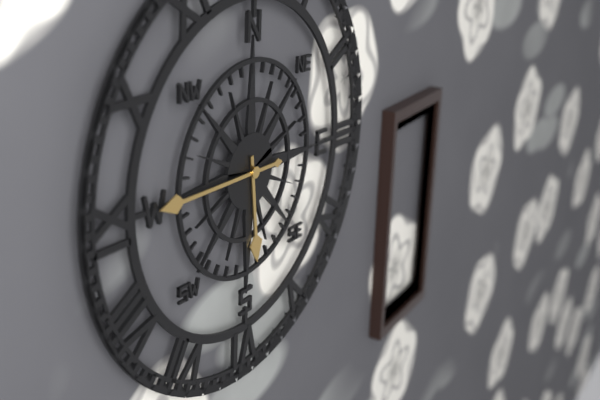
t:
5 h 45 min
